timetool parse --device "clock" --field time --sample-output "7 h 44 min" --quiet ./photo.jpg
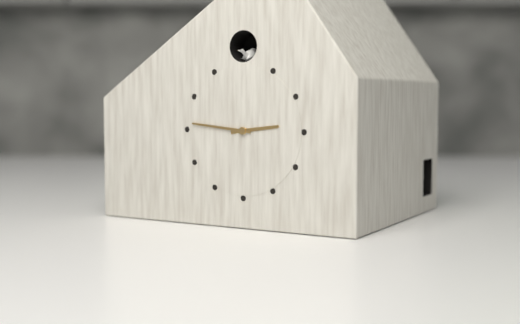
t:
2 h 46 min
